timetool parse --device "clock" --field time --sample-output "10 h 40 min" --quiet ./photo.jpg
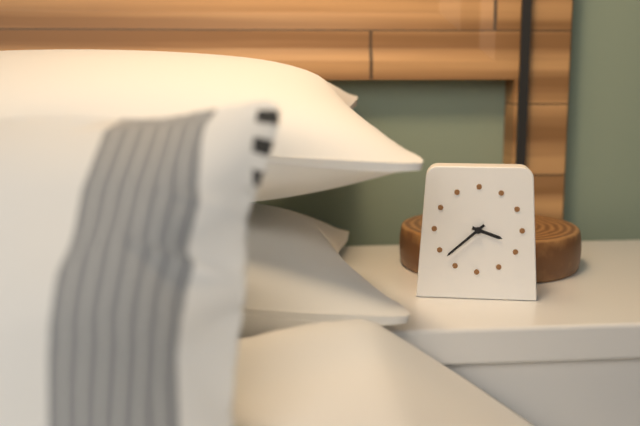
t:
3 h 38 min
